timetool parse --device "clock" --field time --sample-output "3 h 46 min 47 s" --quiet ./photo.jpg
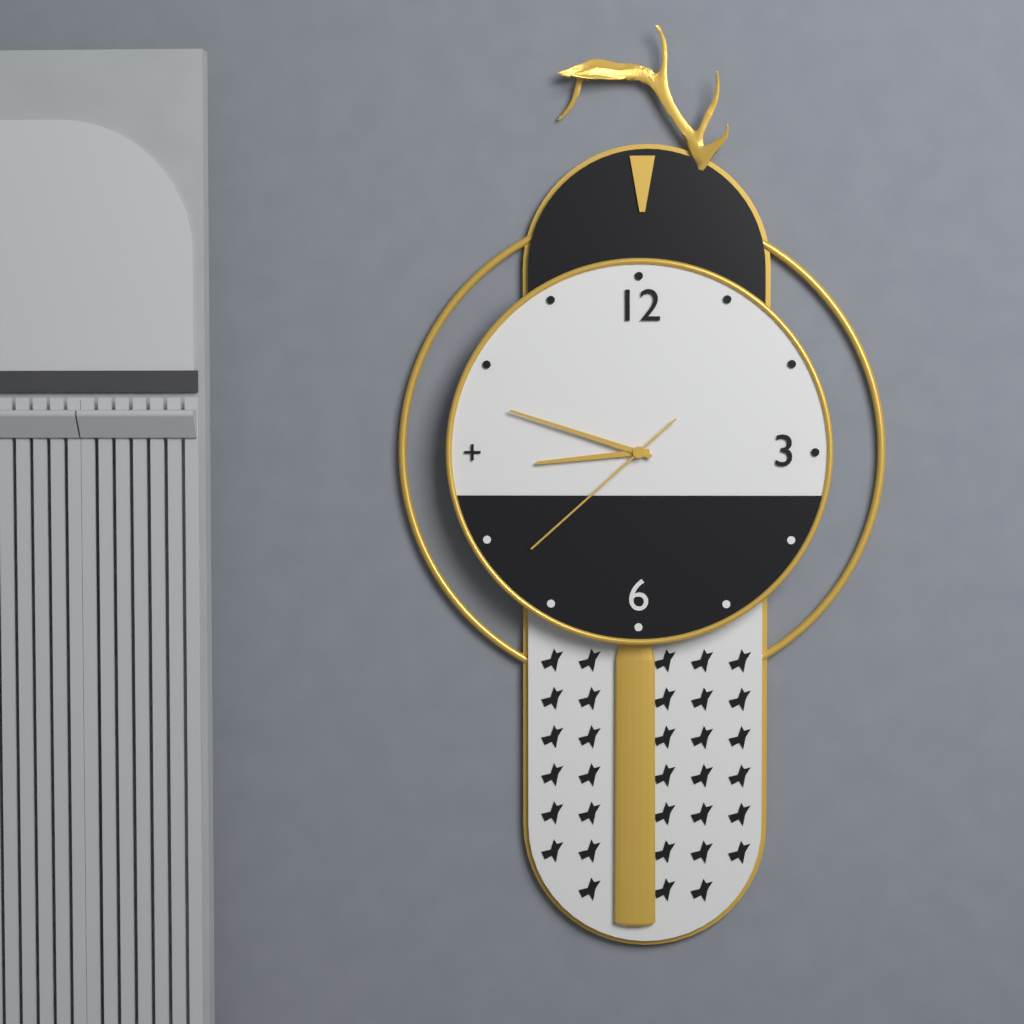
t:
8 h 48 min 38 s
